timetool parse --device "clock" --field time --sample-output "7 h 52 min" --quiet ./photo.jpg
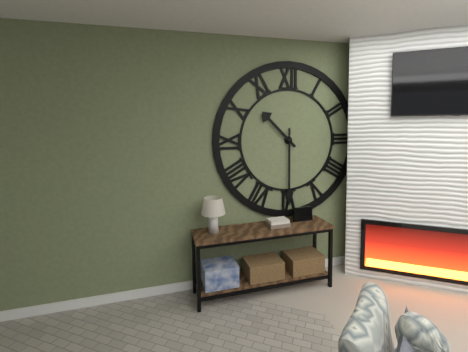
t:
10 h 30 min
